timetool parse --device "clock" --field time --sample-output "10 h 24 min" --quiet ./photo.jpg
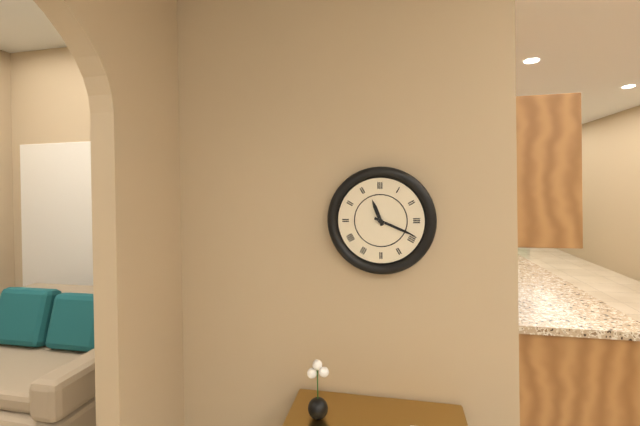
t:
11 h 19 min
